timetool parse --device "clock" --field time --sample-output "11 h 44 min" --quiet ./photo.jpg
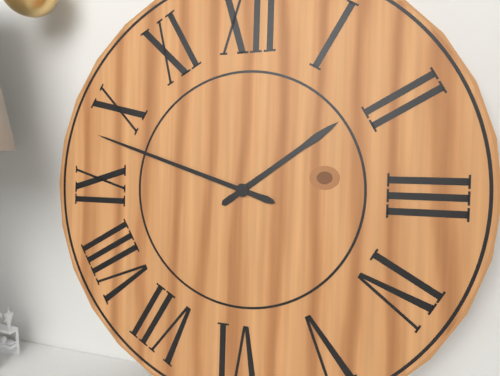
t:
1 h 48 min
